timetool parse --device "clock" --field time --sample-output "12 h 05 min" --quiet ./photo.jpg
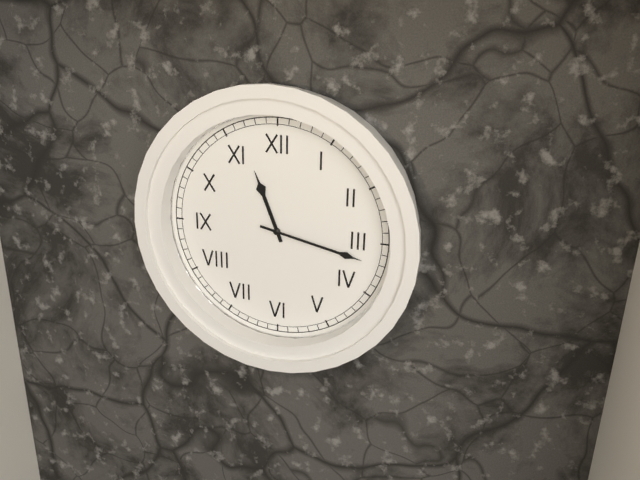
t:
11 h 17 min
